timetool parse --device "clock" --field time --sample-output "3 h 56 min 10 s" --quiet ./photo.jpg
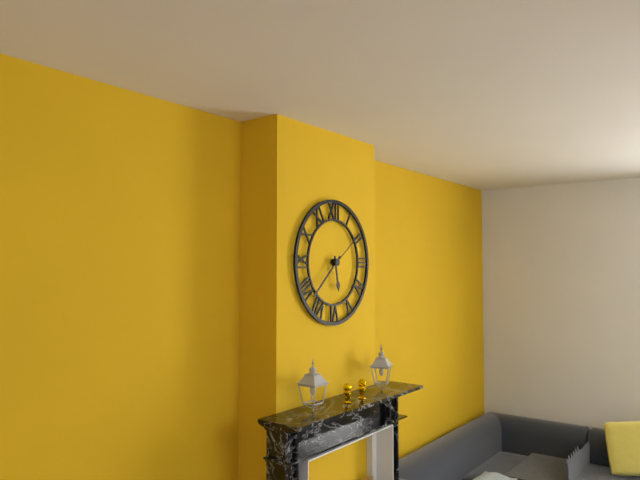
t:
5 h 38 min 09 s
